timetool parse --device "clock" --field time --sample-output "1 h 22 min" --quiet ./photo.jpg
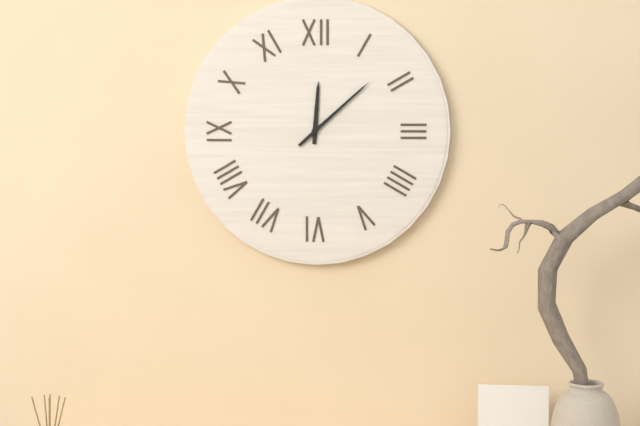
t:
12 h 08 min
